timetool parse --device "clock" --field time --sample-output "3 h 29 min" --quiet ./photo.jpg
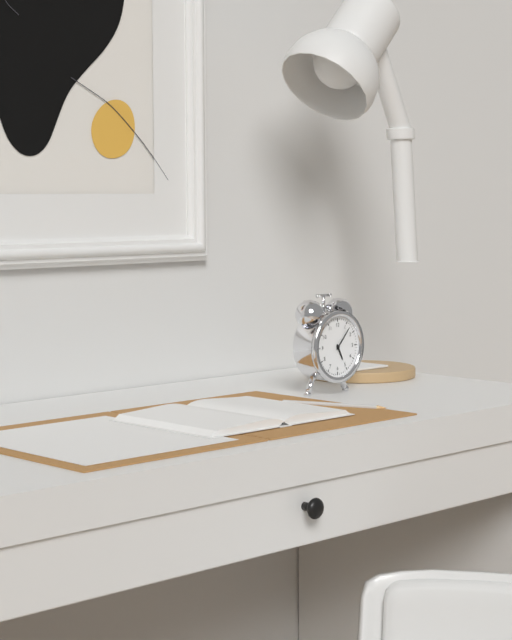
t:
5 h 07 min
